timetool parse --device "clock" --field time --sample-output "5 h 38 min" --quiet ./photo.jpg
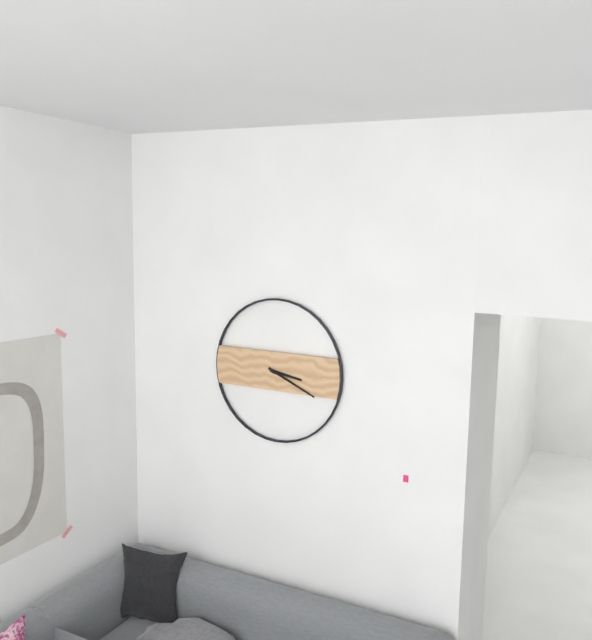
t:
3 h 19 min
